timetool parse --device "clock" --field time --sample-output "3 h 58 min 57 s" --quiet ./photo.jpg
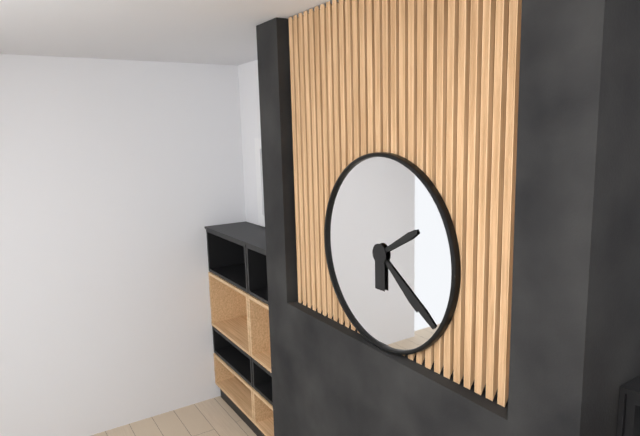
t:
4 h 21 min 10 s
